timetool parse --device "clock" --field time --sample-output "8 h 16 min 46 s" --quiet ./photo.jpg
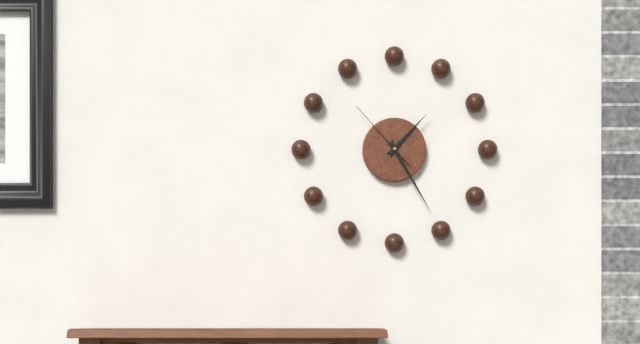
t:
1 h 25 min 53 s
